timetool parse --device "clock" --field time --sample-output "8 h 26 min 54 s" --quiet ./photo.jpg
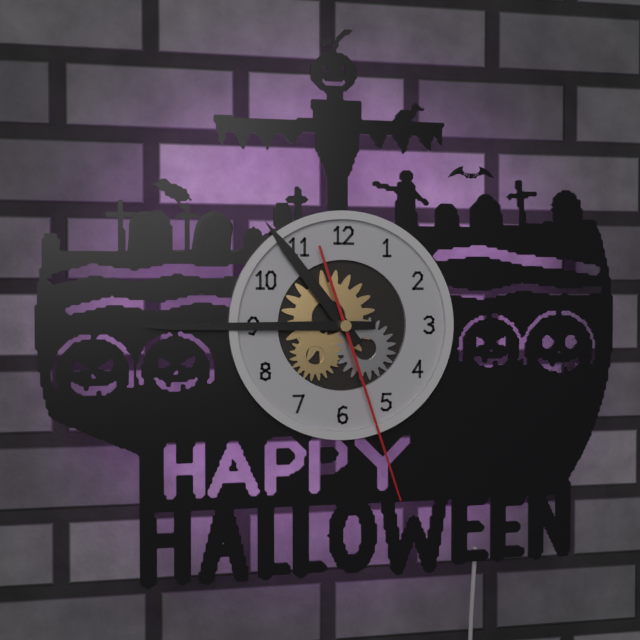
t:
10 h 45 min 27 s
